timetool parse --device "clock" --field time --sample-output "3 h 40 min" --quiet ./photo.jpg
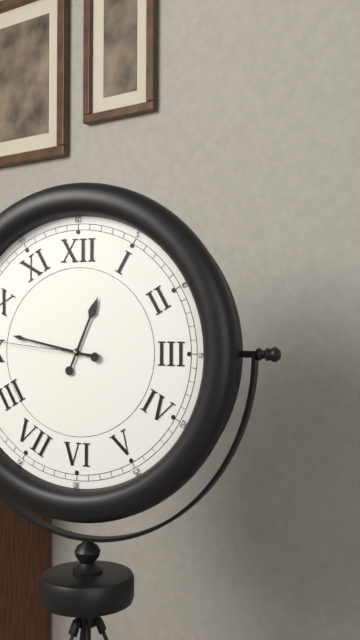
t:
12 h 47 min
